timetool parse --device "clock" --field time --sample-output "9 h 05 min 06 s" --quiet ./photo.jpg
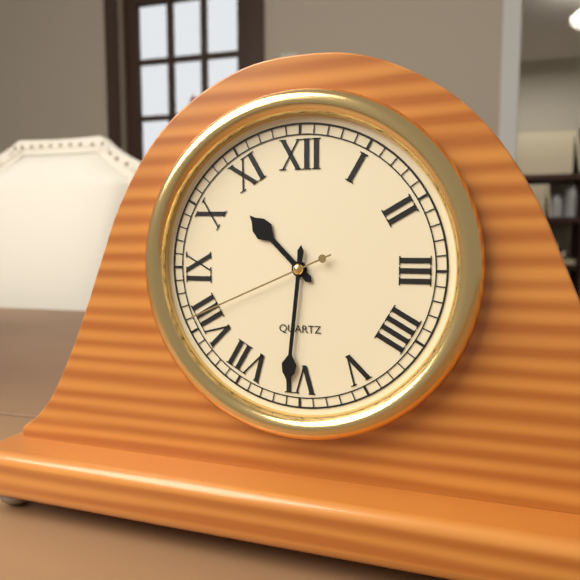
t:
10 h 31 min 41 s
